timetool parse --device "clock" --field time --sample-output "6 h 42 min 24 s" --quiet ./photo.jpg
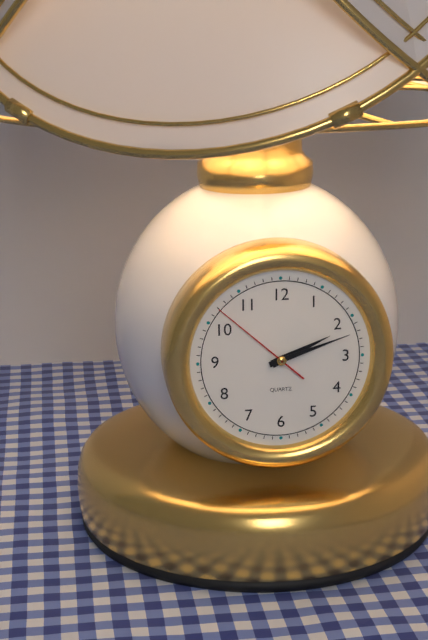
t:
2 h 12 min 52 s
